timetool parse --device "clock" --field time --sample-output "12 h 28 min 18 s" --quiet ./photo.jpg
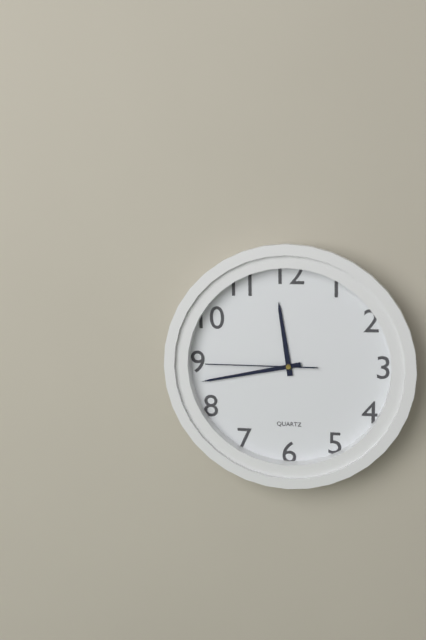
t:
11 h 43 min 45 s
